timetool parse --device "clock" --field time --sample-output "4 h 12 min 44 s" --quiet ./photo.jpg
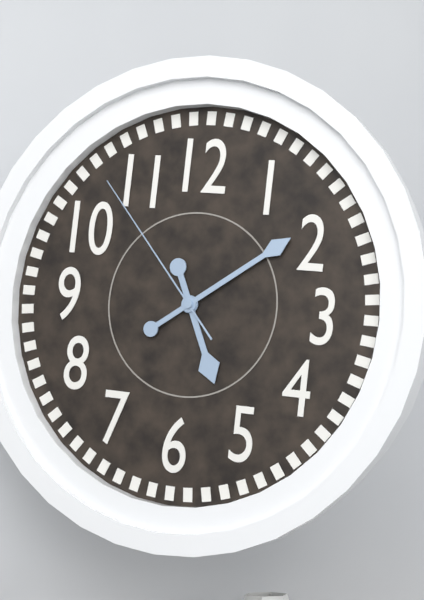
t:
5 h 09 min 53 s
